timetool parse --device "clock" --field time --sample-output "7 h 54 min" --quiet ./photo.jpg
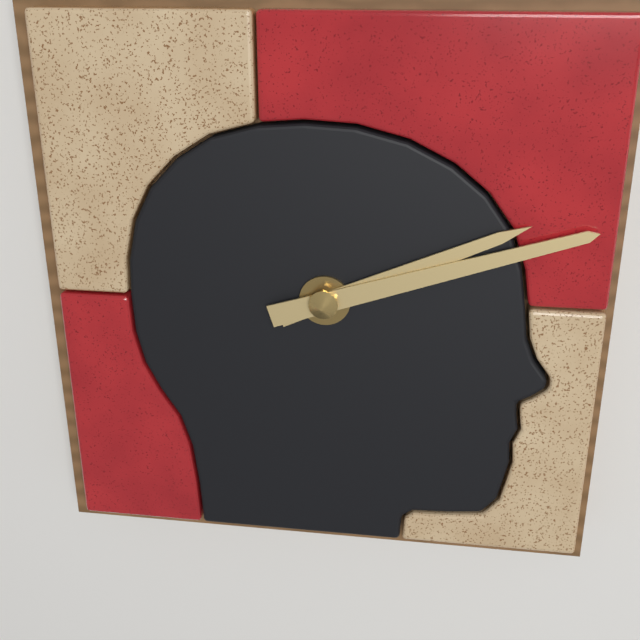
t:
2 h 12 min
